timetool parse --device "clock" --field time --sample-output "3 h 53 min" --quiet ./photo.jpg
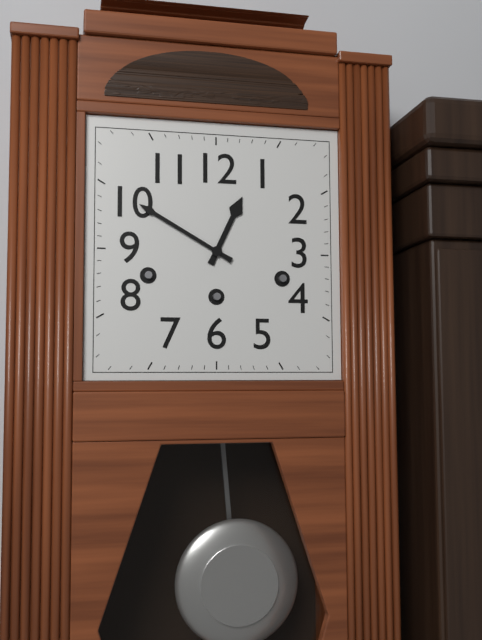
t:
12 h 50 min
